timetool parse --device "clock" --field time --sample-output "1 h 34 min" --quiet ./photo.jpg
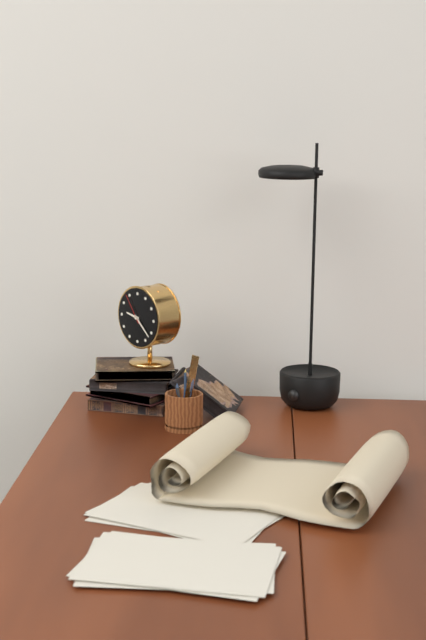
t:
9 h 22 min
